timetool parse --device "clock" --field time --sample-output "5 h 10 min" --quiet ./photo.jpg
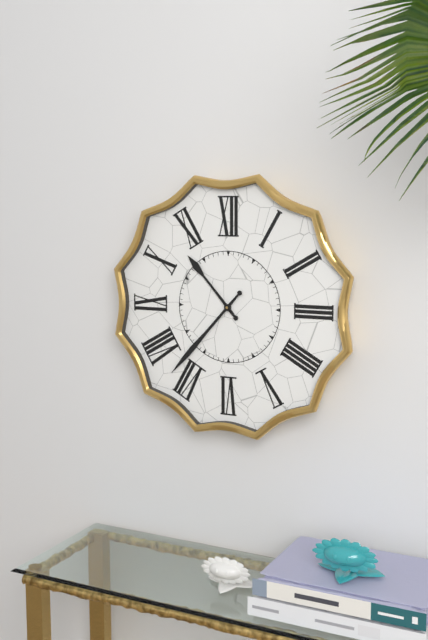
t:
10 h 37 min
